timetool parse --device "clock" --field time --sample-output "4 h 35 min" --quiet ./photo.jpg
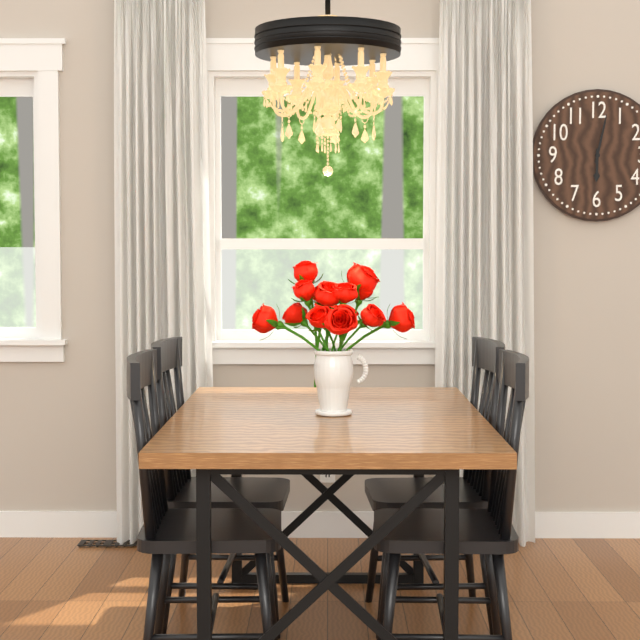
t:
6 h 02 min
